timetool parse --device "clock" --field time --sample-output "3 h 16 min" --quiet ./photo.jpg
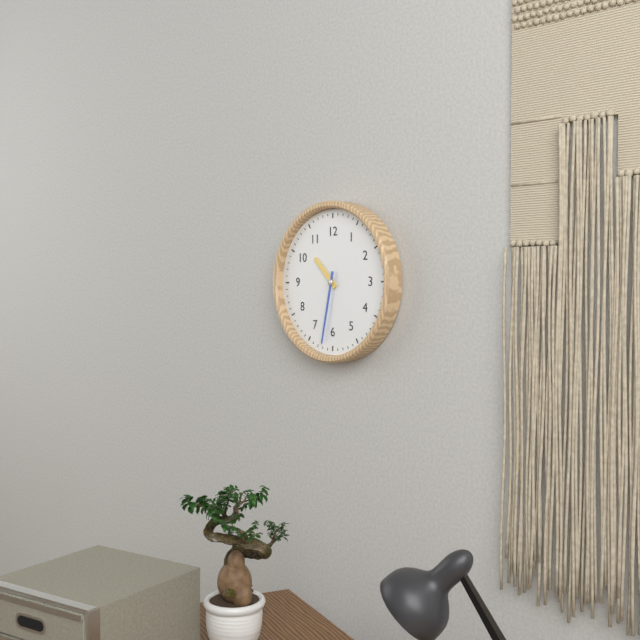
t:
10 h 32 min
